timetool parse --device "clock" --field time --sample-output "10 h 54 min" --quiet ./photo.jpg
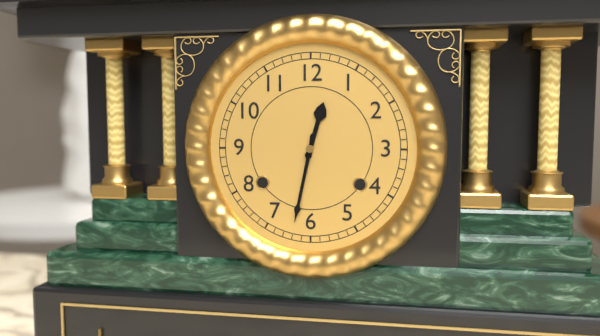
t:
12 h 32 min
